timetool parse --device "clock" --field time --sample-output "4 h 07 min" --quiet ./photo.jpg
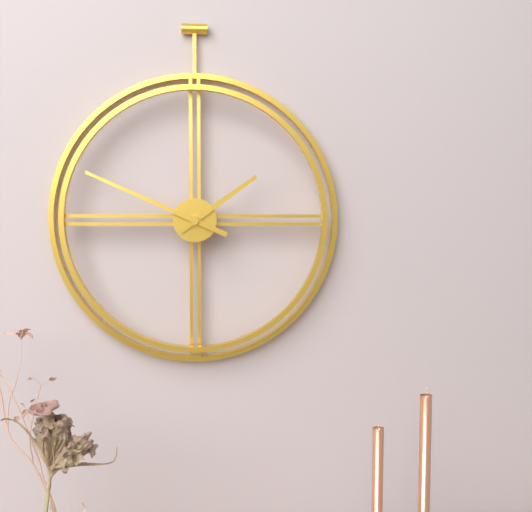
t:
1 h 49 min
